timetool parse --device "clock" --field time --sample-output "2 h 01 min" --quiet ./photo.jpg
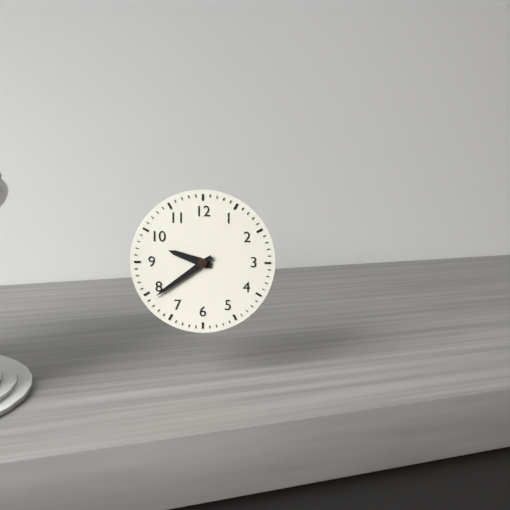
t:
9 h 39 min
